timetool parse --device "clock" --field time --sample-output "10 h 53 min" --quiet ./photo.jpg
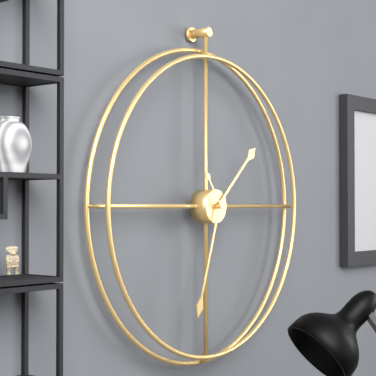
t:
1 h 33 min
